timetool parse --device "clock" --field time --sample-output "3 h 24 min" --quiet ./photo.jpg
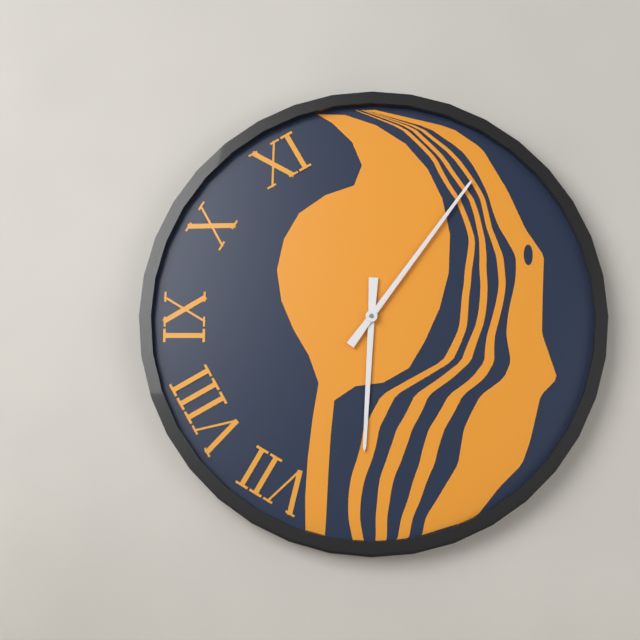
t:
6 h 06 min
